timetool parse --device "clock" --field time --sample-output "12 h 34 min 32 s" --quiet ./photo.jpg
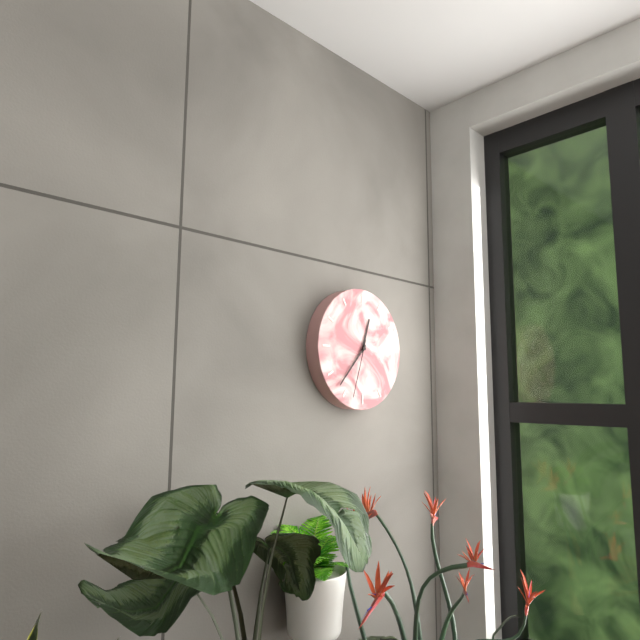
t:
12 h 37 min 33 s
